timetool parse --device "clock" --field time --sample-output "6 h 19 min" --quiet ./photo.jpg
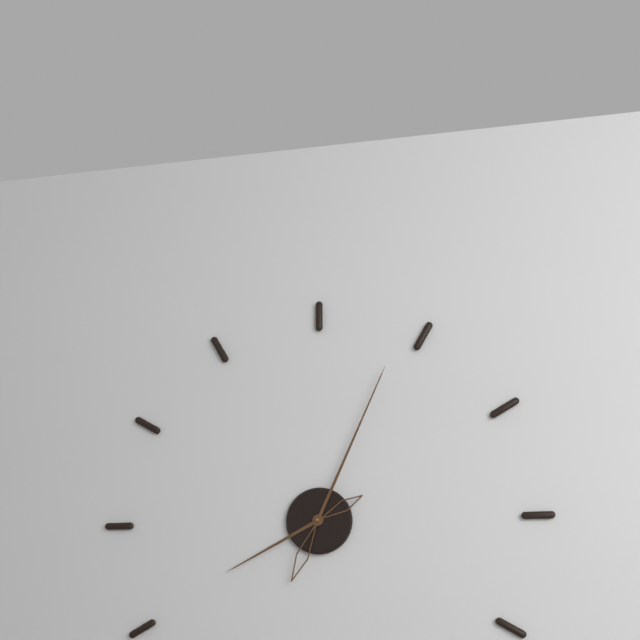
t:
8 h 04 min
